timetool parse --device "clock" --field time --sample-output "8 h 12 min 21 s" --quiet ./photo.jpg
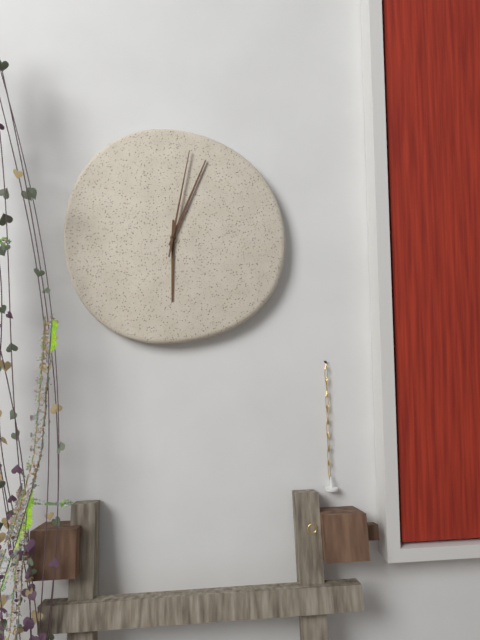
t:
6 h 04 min 02 s
